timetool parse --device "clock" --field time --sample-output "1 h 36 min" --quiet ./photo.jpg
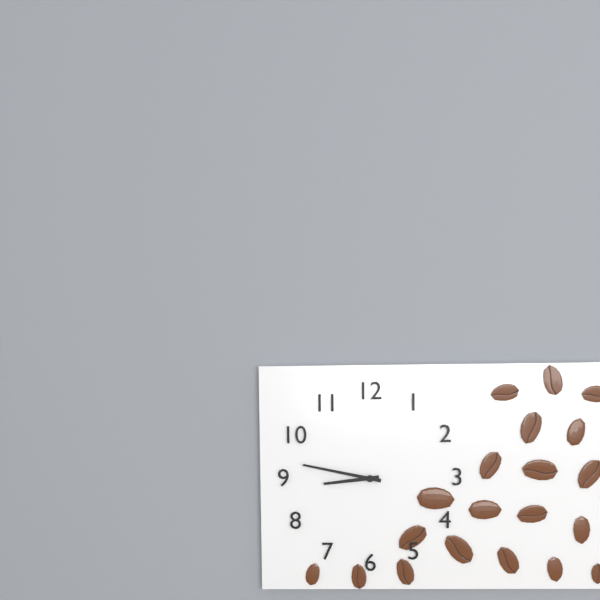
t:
8 h 47 min
